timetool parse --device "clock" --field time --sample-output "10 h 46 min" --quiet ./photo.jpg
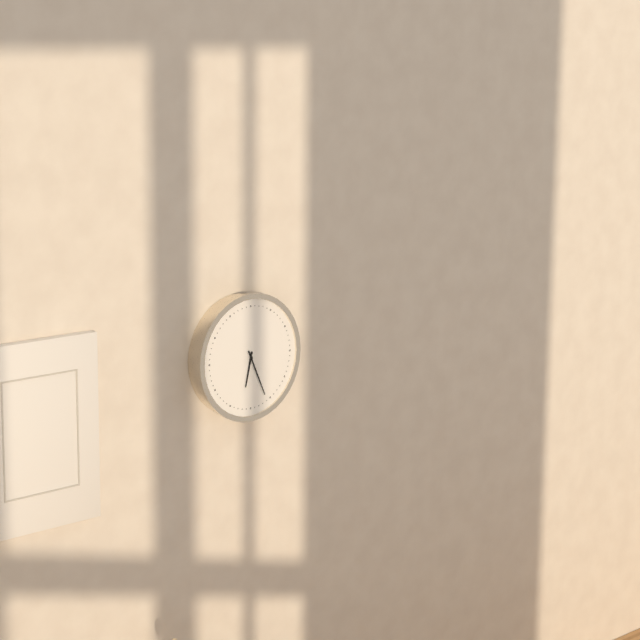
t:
6 h 26 min
